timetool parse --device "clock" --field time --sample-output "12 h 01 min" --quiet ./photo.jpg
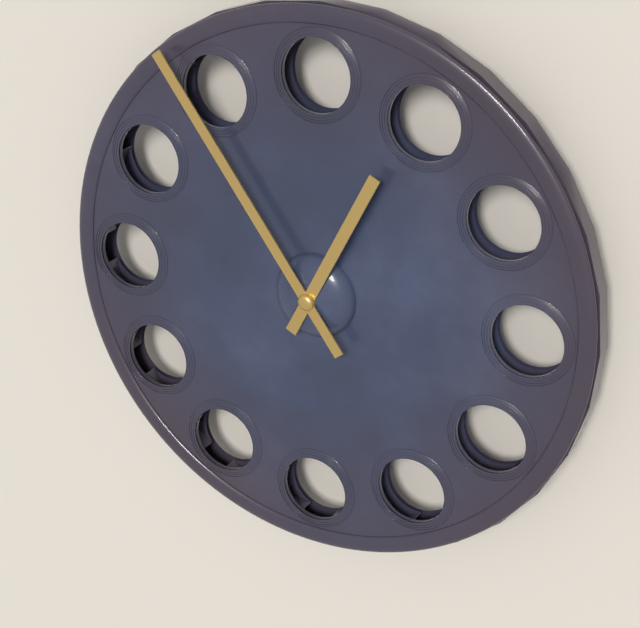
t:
12 h 54 min
